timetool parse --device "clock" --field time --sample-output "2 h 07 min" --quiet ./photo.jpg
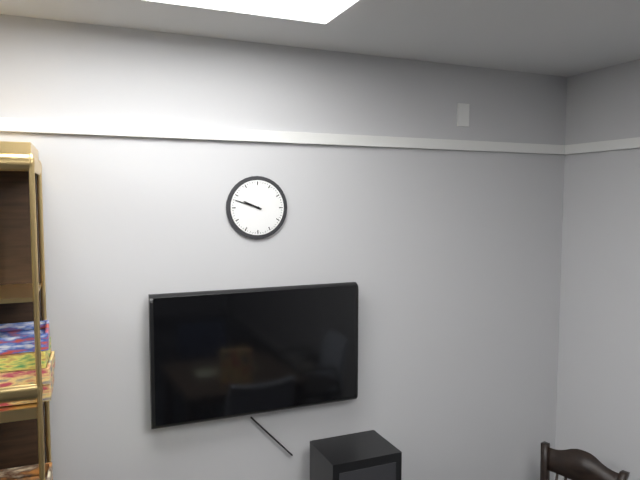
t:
9 h 48 min
